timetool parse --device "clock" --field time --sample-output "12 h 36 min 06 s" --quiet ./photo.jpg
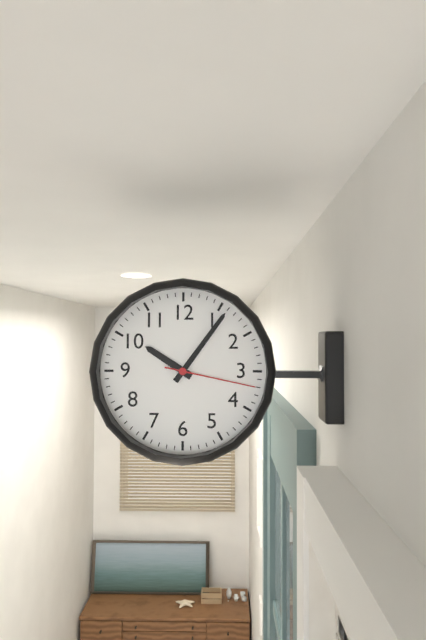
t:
10 h 06 min 17 s
